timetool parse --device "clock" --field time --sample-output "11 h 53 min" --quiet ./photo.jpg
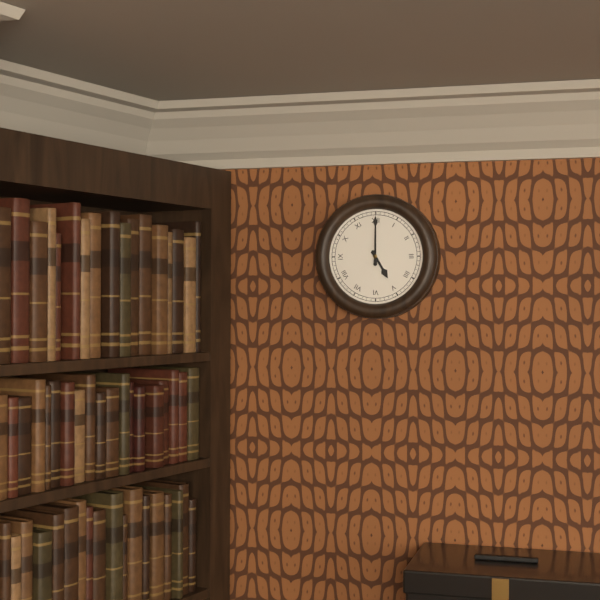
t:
5 h 00 min
